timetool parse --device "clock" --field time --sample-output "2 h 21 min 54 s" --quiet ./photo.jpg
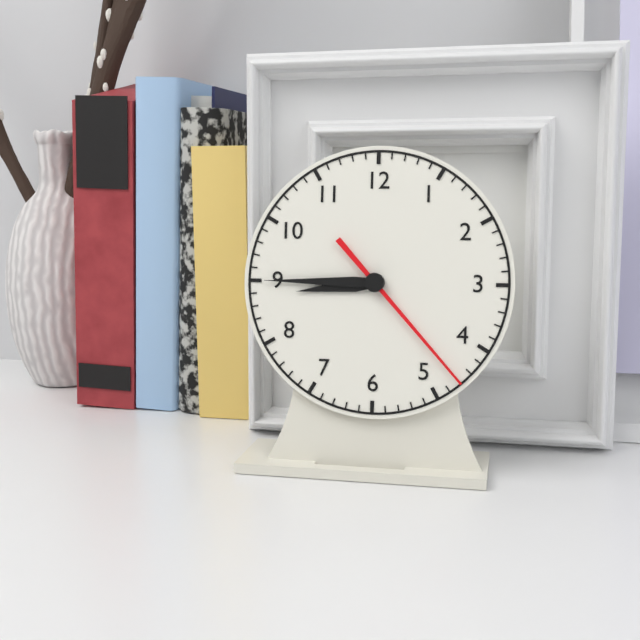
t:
8 h 45 min 23 s
